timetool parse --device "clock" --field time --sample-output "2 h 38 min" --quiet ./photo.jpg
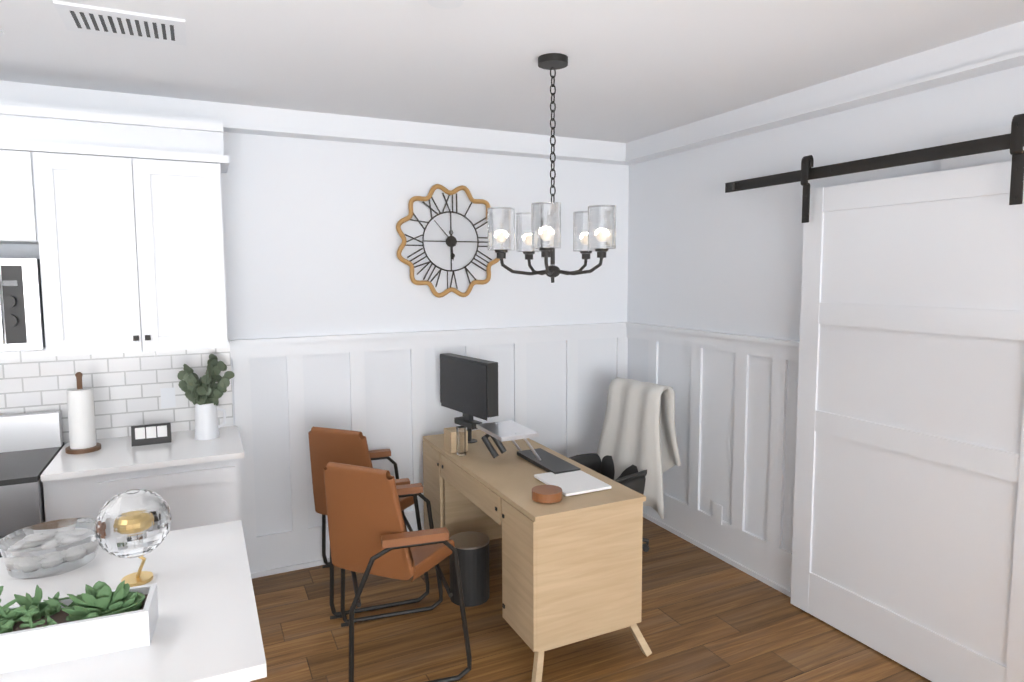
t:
5 h 53 min
